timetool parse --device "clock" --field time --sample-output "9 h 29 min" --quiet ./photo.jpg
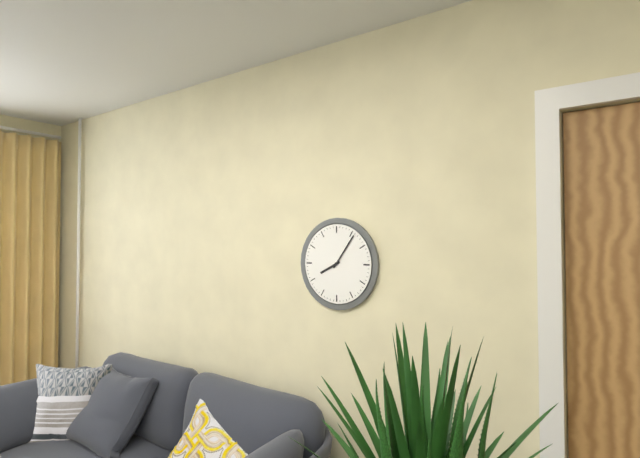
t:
8 h 06 min
